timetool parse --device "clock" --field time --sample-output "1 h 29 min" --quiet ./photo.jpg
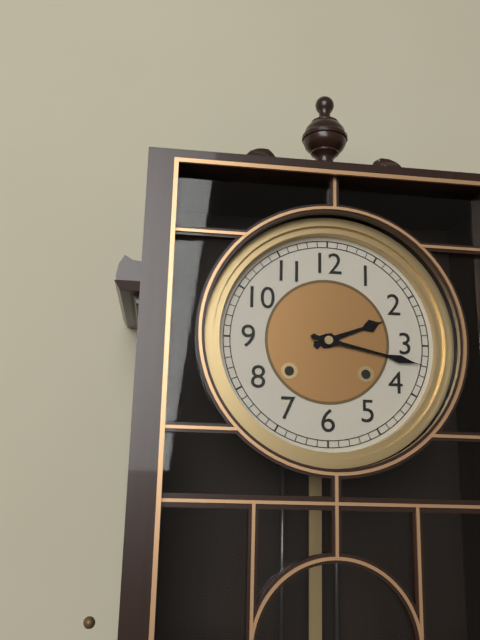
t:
2 h 17 min
